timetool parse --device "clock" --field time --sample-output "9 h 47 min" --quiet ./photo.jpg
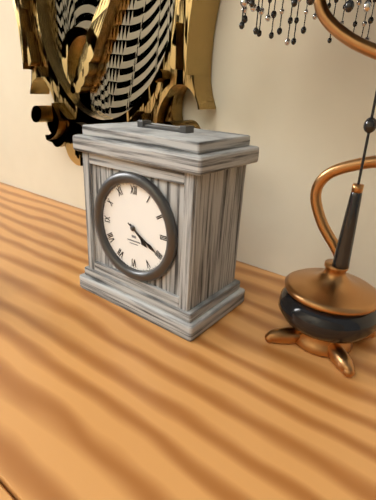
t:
4 h 20 min
